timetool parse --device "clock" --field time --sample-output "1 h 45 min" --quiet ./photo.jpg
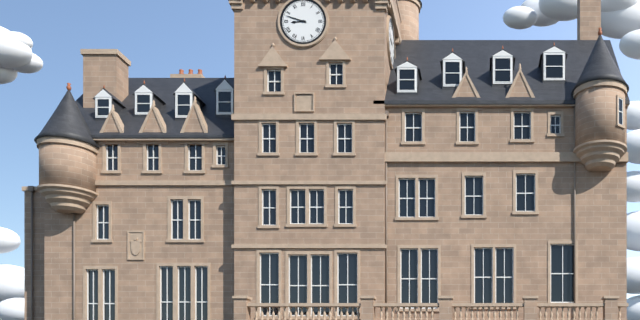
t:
8 h 48 min
